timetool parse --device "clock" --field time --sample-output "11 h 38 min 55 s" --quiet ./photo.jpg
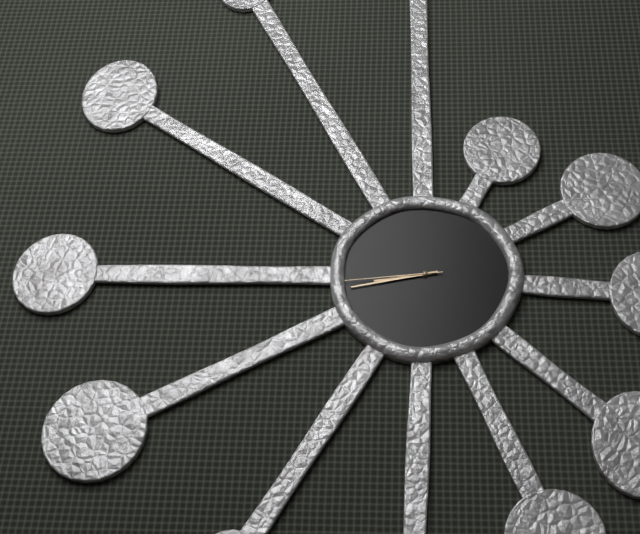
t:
8 h 43 min 44 s
